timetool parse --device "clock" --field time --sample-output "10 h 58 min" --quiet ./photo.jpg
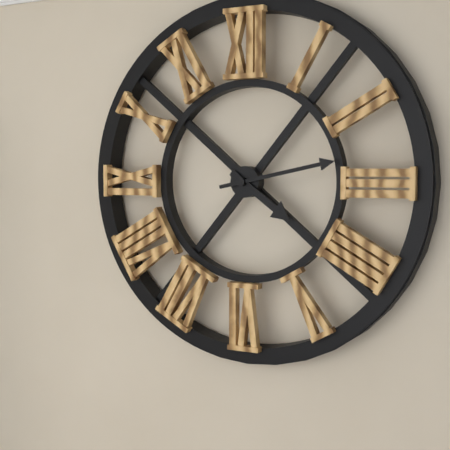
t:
4 h 13 min
